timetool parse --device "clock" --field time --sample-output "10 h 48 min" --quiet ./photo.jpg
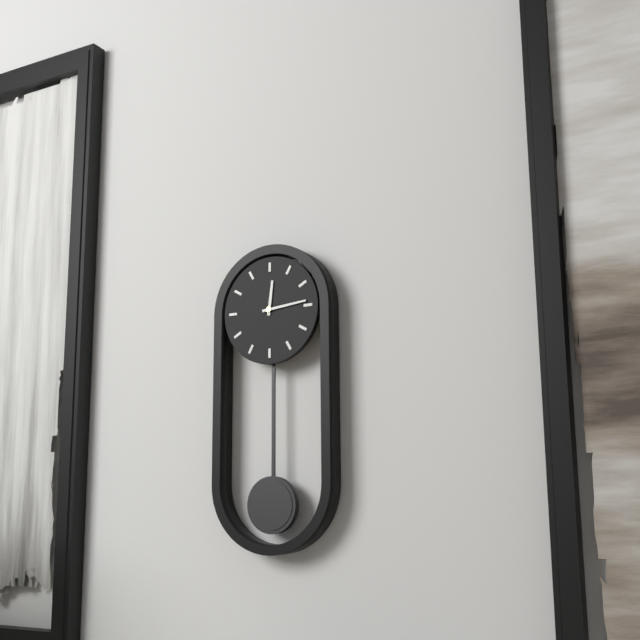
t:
12 h 14 min
